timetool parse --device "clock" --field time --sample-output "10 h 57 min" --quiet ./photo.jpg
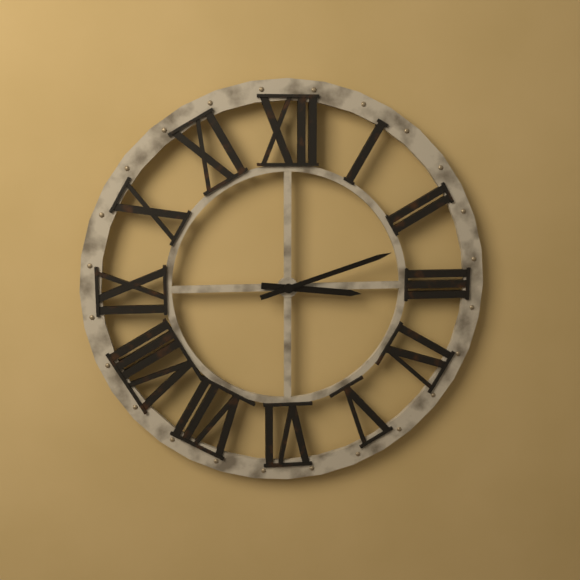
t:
3 h 12 min
